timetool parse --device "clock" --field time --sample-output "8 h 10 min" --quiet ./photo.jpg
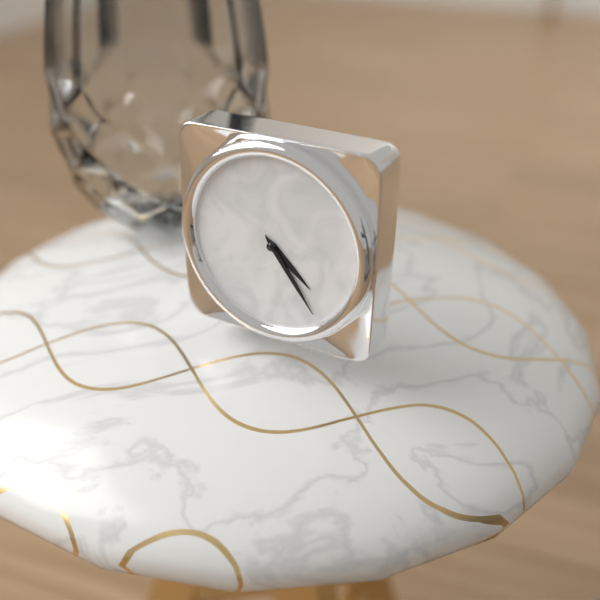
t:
4 h 24 min
